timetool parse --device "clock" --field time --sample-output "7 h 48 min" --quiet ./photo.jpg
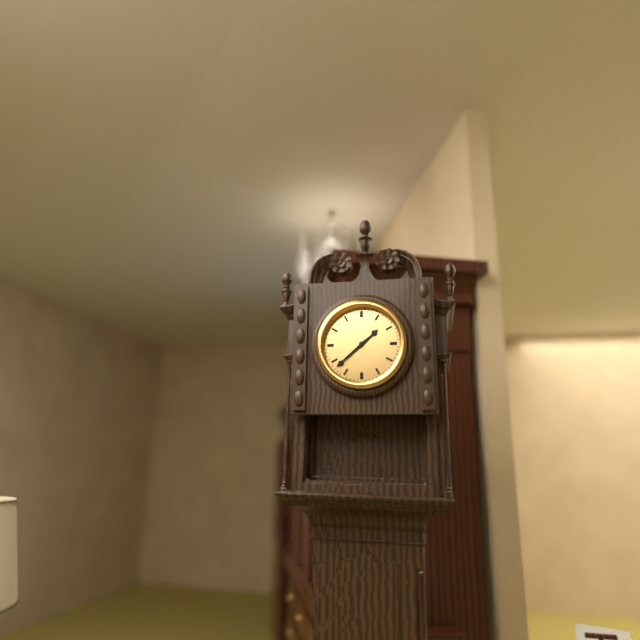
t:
1 h 38 min
